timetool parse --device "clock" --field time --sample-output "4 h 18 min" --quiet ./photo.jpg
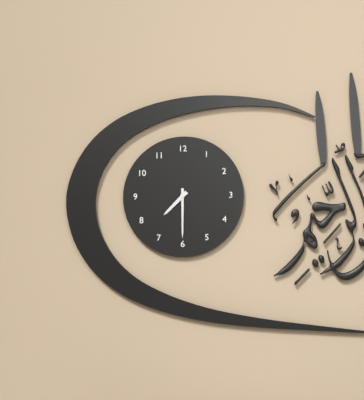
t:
7 h 30 min
